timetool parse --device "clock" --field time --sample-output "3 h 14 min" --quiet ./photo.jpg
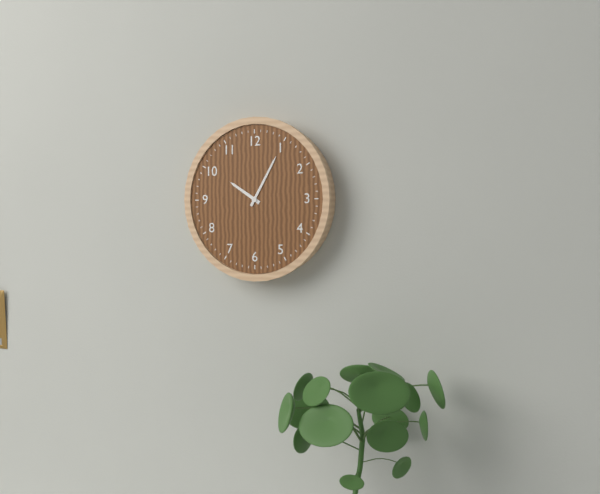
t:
10 h 05 min
